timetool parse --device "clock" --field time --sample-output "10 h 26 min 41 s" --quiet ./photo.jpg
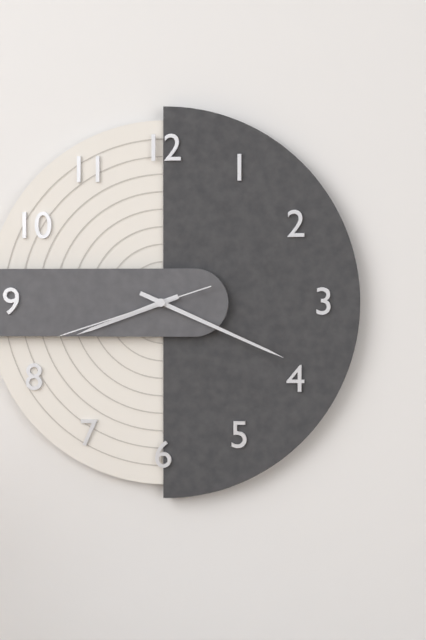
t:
8 h 19 min 42 s
